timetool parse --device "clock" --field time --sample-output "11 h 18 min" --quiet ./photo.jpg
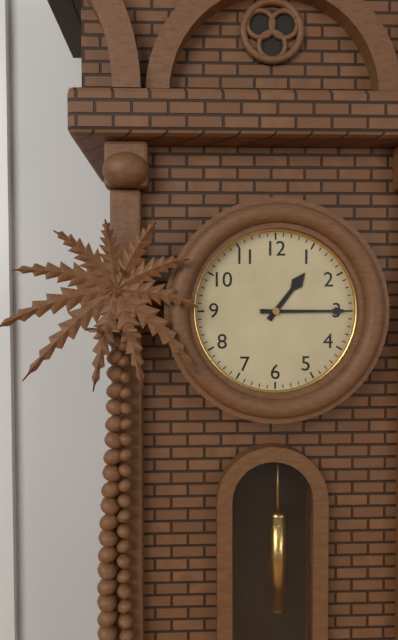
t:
1 h 15 min
